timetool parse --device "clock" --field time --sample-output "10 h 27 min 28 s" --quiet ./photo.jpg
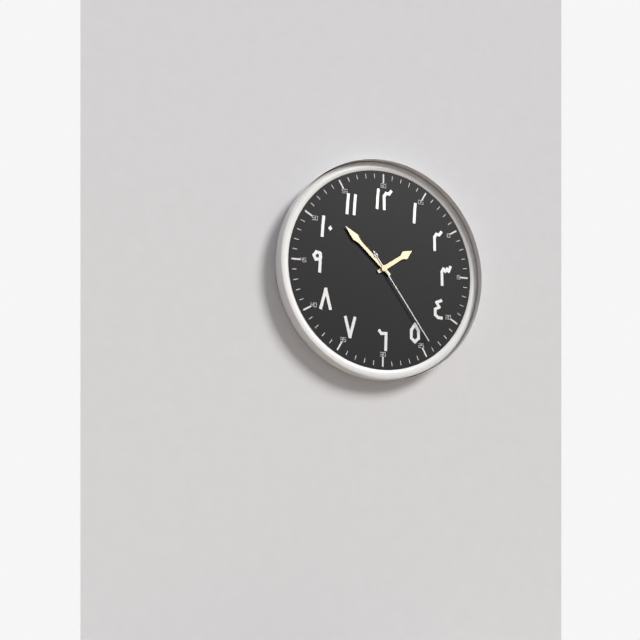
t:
1 h 52 min 24 s
